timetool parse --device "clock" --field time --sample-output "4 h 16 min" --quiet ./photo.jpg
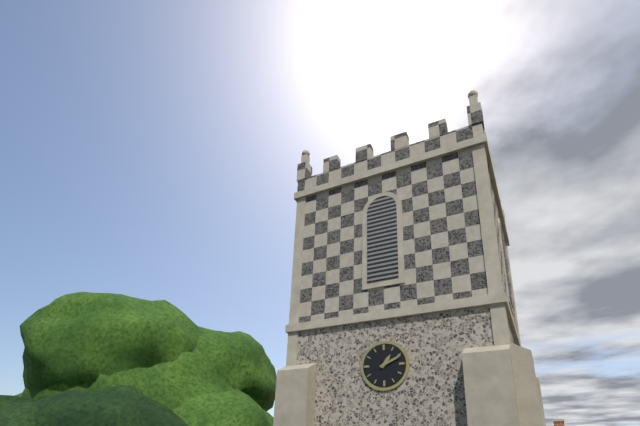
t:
1 h 11 min
